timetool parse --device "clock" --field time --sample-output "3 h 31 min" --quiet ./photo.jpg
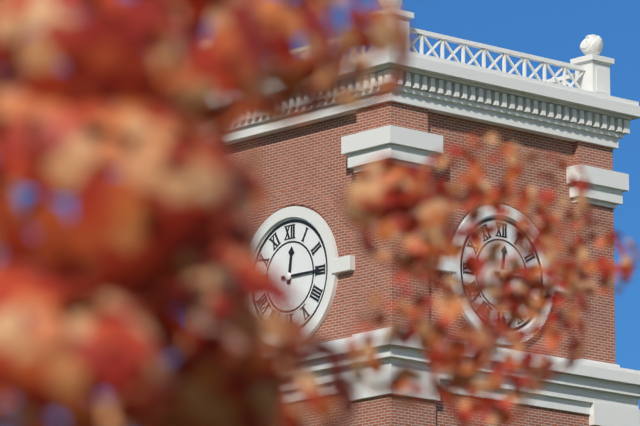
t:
12 h 15 min
